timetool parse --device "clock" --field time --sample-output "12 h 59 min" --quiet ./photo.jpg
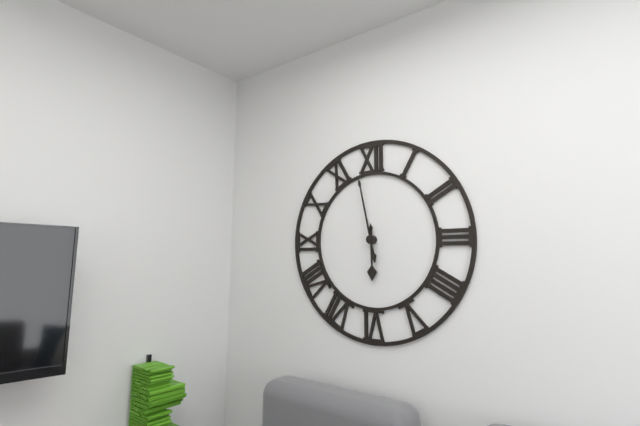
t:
5 h 58 min
